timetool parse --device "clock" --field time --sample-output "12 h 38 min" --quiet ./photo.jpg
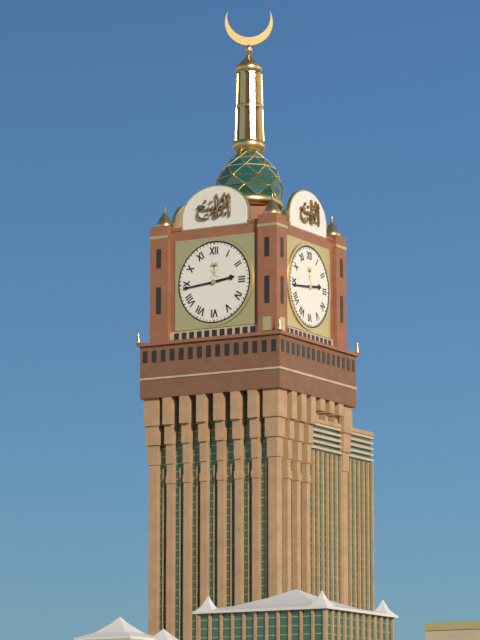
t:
2 h 44 min
